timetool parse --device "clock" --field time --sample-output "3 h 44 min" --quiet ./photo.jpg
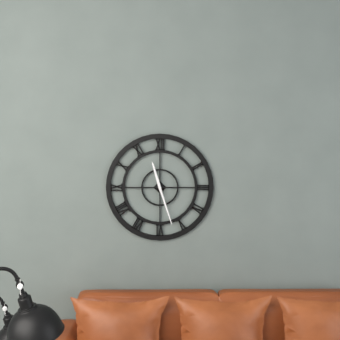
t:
11 h 27 min
